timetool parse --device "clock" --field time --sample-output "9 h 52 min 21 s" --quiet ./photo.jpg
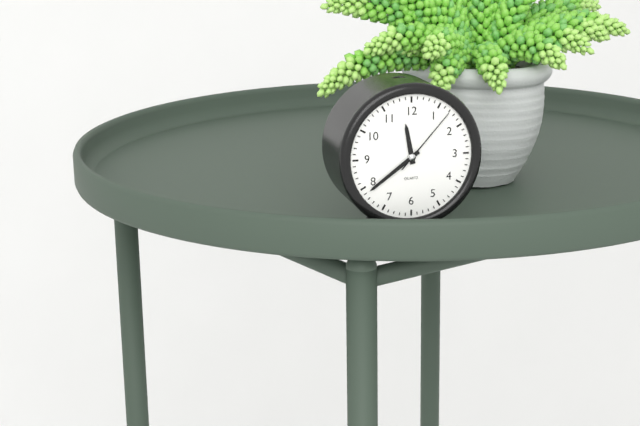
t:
11 h 39 min 07 s
